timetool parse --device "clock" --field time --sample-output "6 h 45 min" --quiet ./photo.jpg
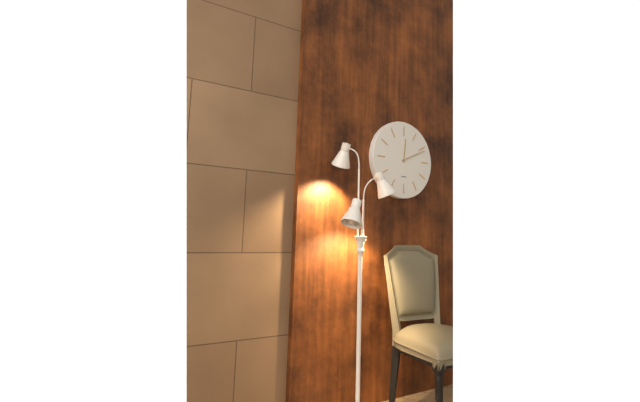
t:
12 h 11 min
